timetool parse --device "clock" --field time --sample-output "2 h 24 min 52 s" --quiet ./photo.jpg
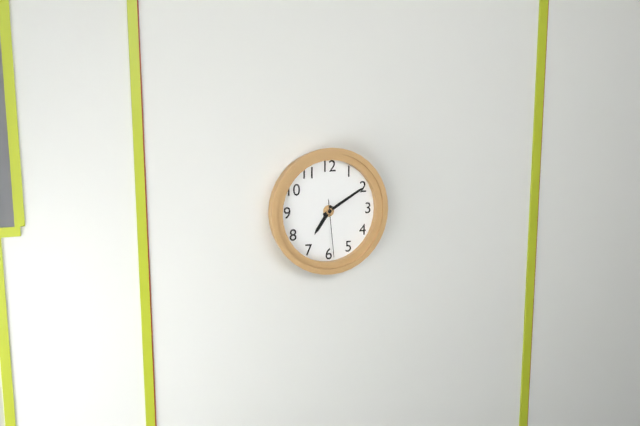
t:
7 h 10 min 29 s
